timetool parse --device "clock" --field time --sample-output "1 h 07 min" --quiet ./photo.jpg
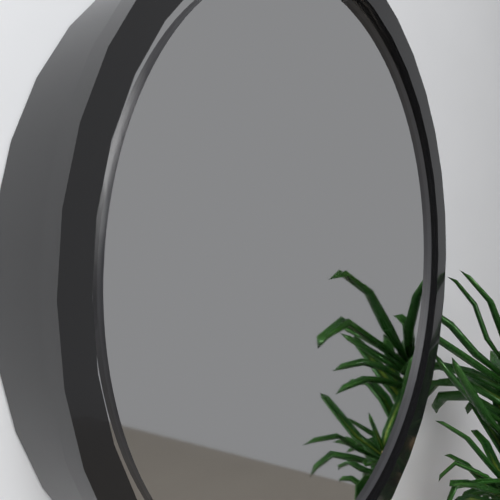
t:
6 h 32 min
